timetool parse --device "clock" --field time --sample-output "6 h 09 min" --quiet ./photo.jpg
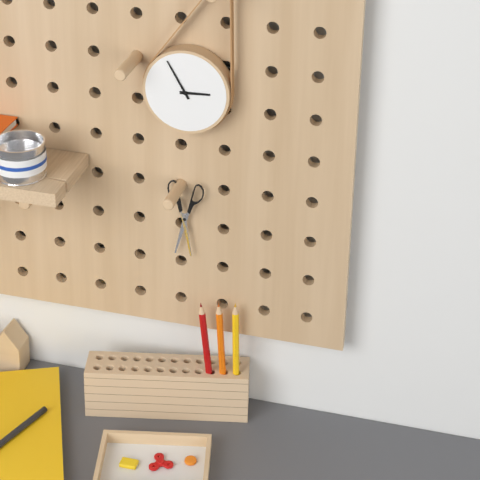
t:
2 h 55 min
